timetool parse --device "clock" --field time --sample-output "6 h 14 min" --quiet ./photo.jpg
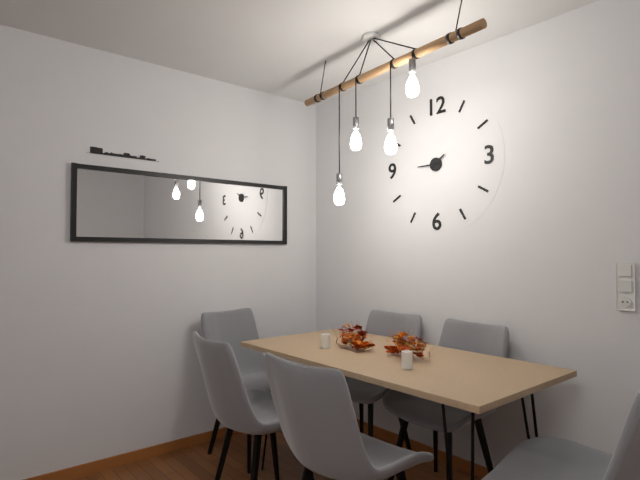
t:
1 h 45 min
